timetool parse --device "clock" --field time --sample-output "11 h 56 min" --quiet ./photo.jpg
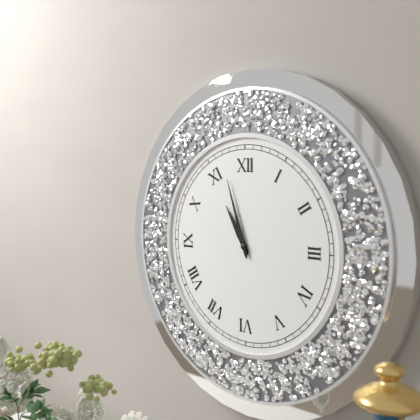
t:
10 h 57 min
